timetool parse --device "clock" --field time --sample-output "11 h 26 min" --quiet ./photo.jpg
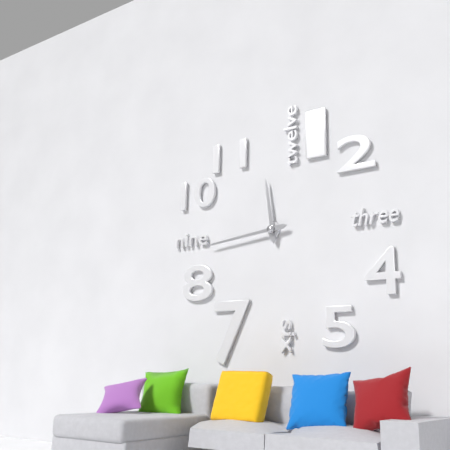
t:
11 h 44 min
